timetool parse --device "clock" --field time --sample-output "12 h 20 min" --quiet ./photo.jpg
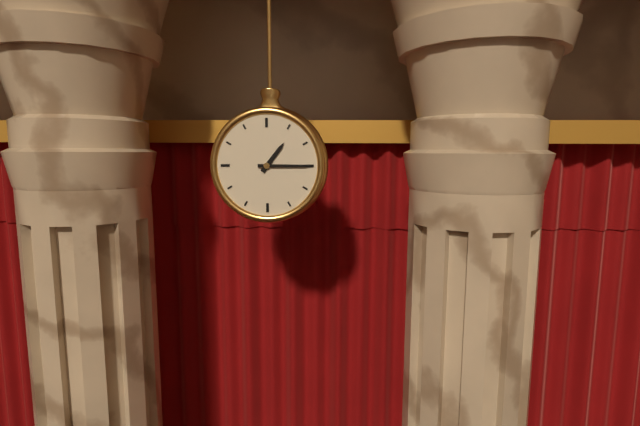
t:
1 h 15 min
